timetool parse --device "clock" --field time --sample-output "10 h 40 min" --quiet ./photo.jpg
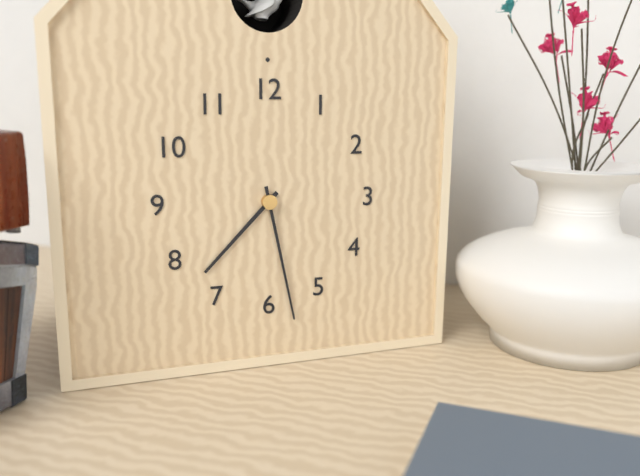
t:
7 h 28 min
